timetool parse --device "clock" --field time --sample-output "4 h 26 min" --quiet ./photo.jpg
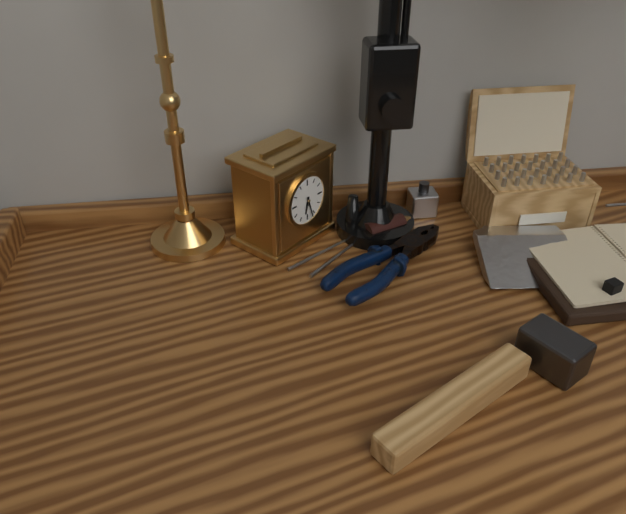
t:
6 h 27 min
